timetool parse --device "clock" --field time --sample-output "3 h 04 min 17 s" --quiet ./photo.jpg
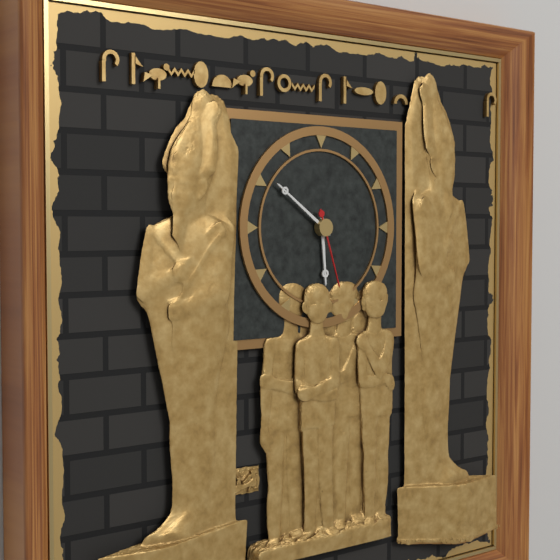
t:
5 h 51 min 27 s
